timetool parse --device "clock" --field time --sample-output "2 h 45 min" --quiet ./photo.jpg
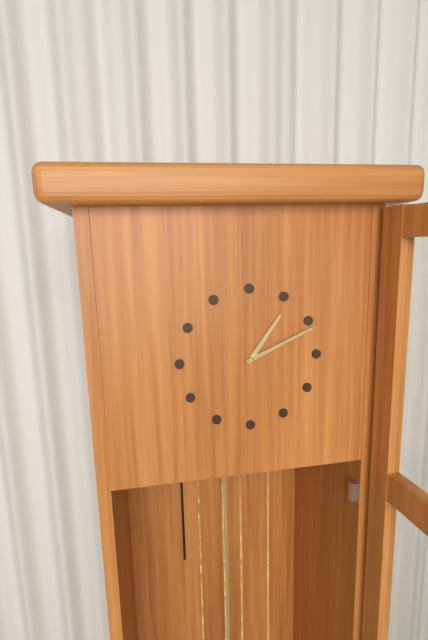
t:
1 h 11 min
